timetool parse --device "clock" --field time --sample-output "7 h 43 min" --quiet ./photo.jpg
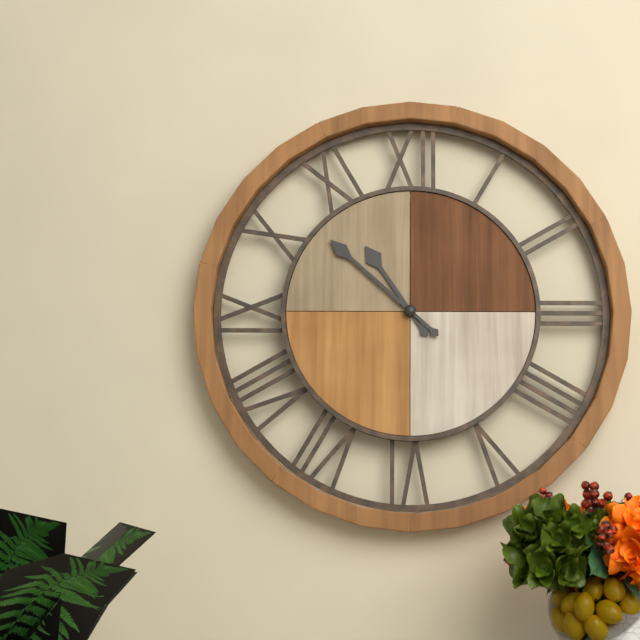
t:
10 h 52 min
